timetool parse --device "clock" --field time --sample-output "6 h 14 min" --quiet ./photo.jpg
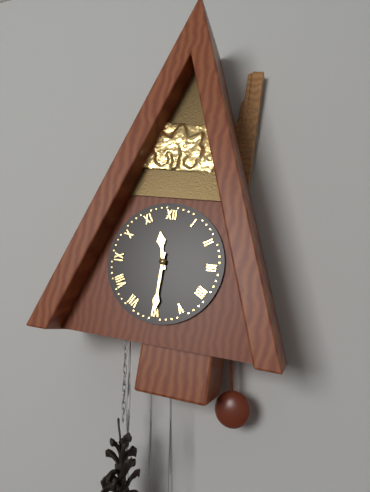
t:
11 h 30 min
